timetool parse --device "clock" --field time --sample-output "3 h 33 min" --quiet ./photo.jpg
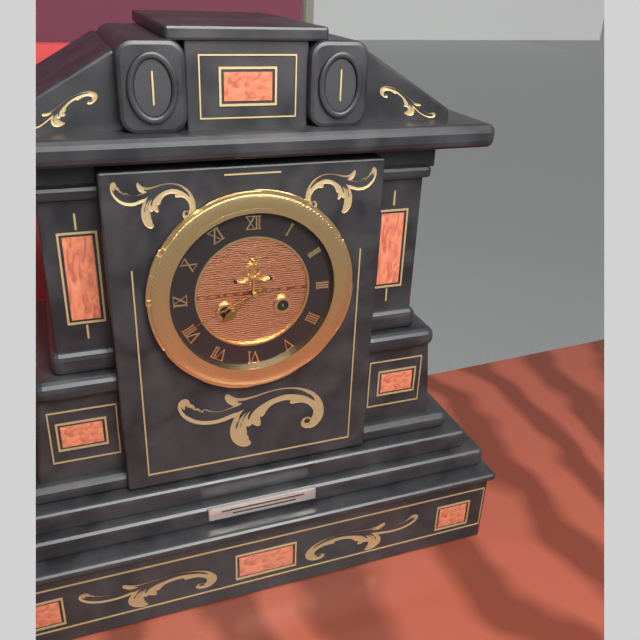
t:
7 h 41 min
